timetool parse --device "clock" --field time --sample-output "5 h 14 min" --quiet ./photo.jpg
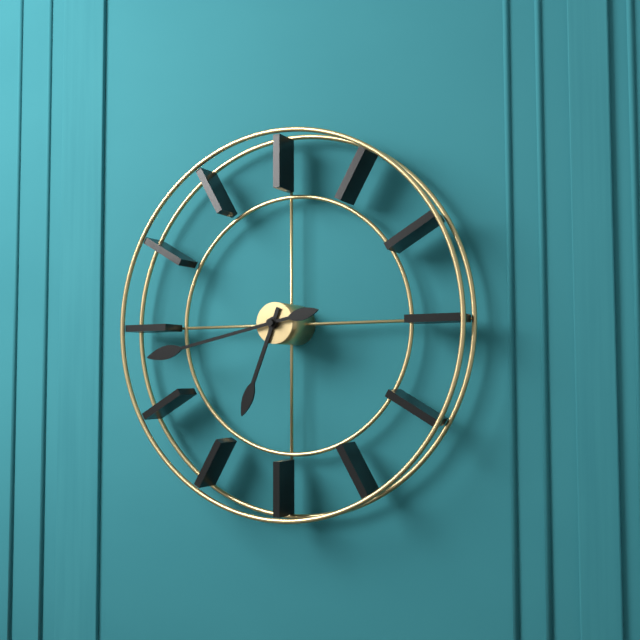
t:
6 h 43 min
